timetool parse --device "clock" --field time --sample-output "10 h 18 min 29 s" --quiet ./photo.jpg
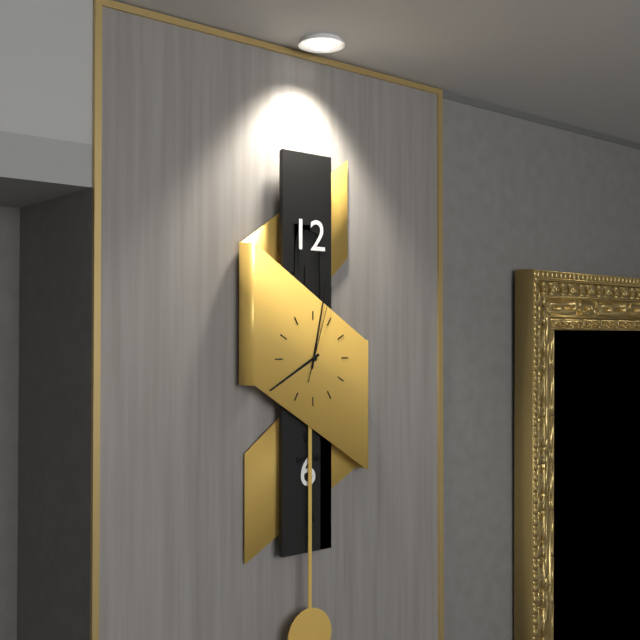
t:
8 h 02 min 03 s
